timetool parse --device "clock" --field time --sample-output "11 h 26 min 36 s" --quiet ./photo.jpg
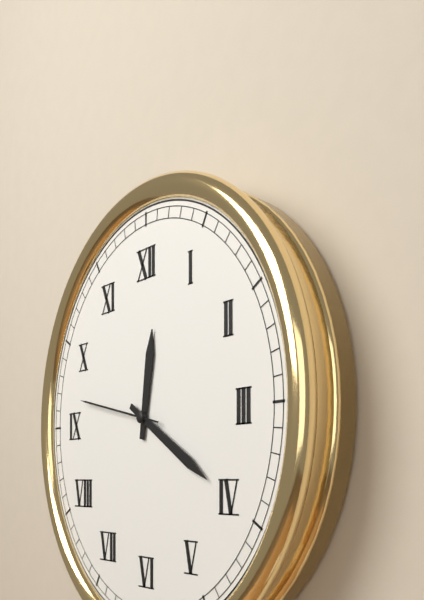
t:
12 h 20 min 47 s
